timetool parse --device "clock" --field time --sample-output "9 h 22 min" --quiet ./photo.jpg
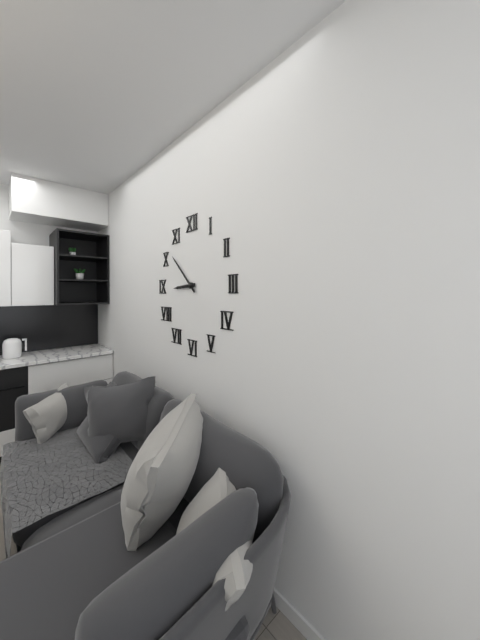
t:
8 h 52 min
